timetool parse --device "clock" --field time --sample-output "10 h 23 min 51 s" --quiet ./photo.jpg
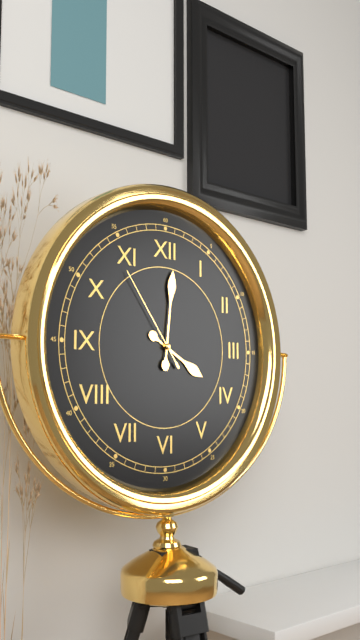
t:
4 h 01 min 54 s
